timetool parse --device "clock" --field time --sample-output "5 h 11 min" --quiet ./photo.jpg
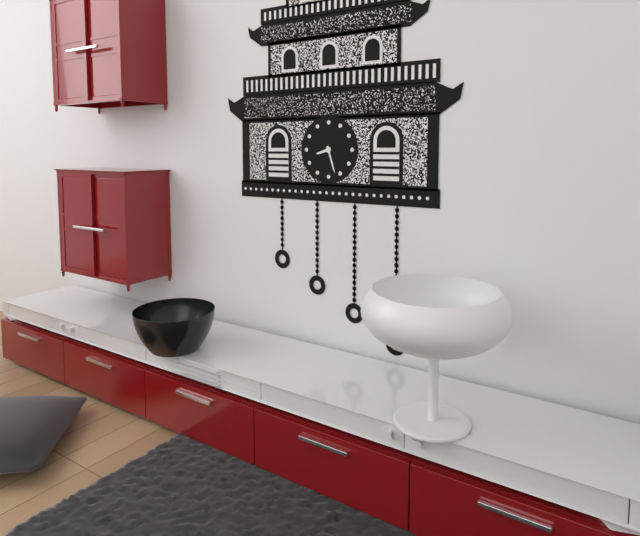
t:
8 h 27 min
